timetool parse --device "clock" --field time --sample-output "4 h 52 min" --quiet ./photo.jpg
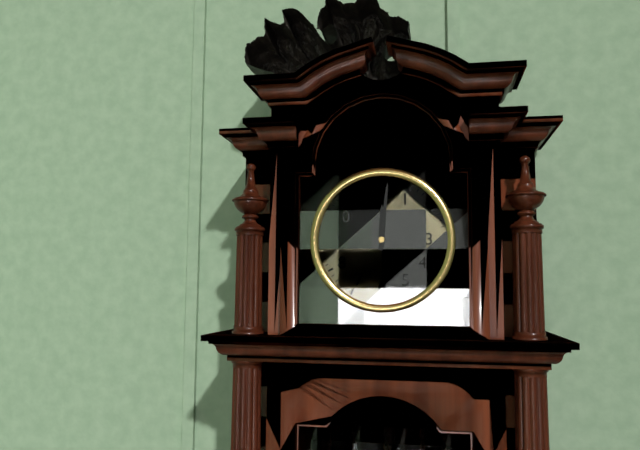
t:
12 h 01 min
